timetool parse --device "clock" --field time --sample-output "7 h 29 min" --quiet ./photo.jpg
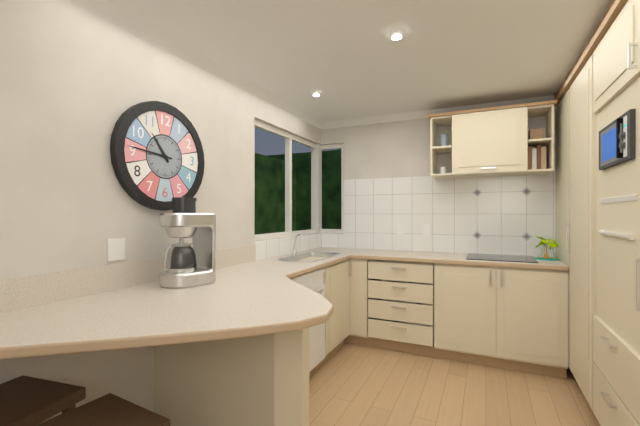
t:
10 h 46 min
